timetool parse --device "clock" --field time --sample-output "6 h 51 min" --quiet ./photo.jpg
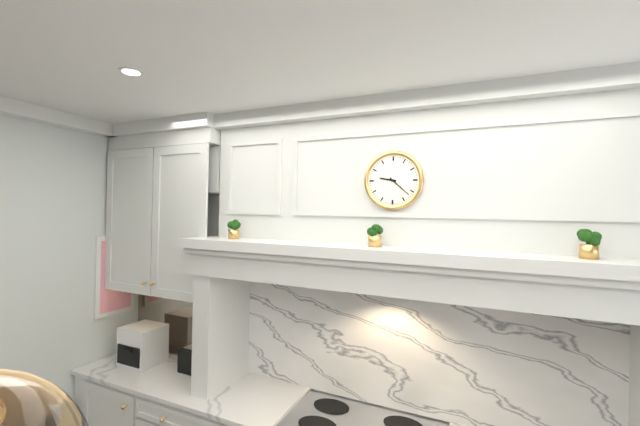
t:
9 h 22 min
